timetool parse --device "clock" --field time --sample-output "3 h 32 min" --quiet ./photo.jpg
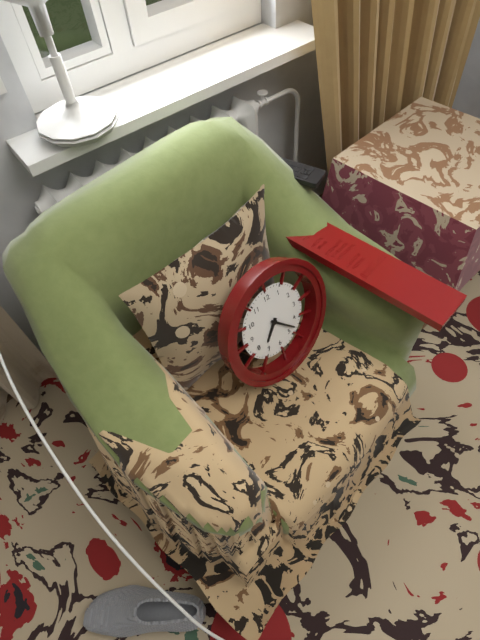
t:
7 h 23 min
